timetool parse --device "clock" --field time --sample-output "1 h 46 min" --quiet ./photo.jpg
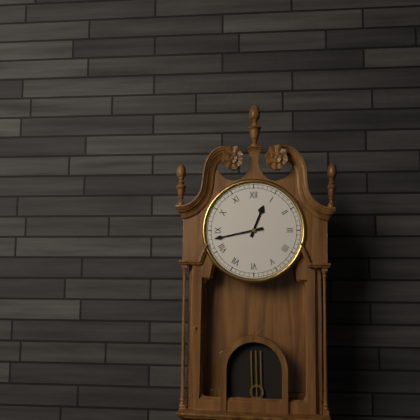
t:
12 h 43 min
